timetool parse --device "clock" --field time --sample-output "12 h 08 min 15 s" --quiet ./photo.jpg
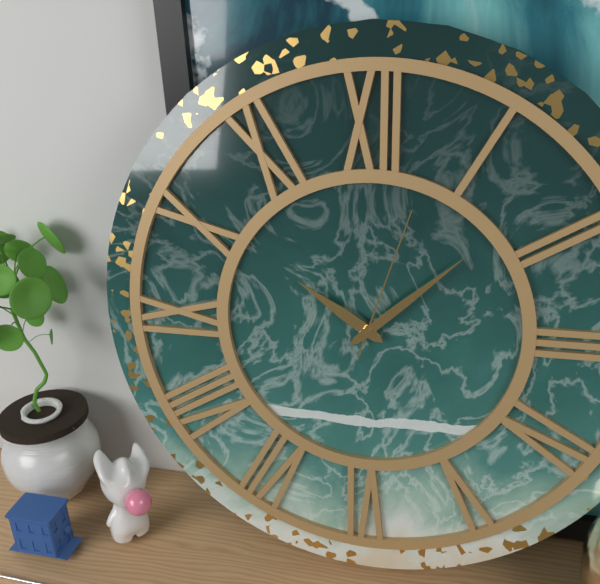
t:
10 h 08 min 03 s
